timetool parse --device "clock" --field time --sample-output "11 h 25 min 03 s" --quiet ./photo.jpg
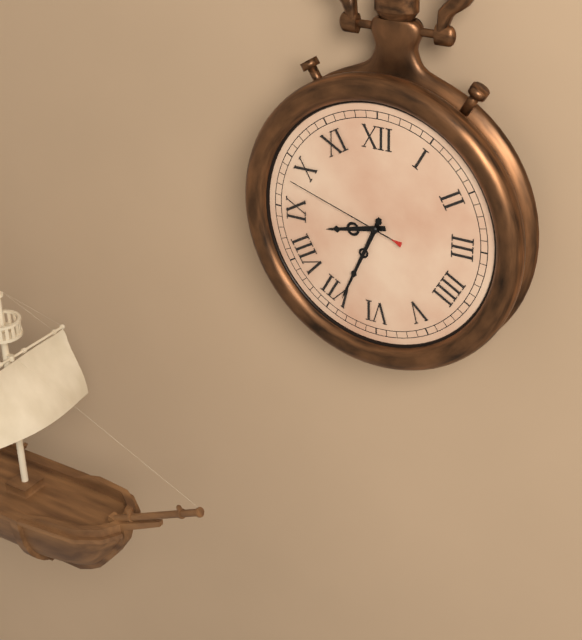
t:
8 h 34 min 48 s
